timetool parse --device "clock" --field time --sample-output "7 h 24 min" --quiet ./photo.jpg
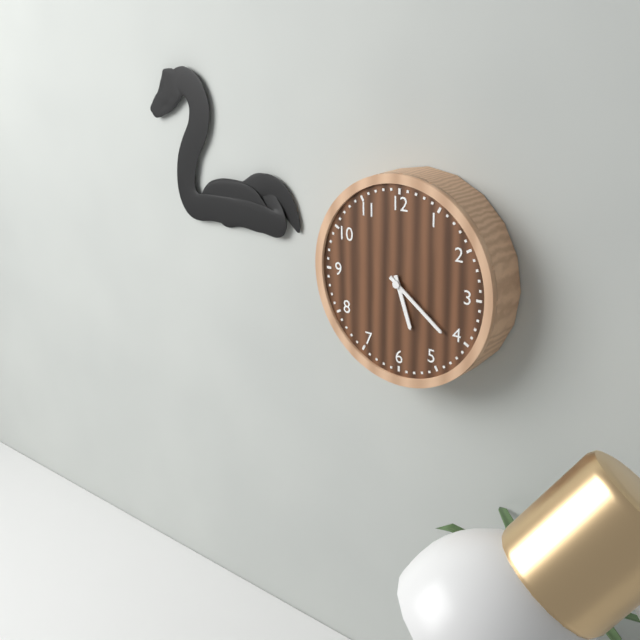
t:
5 h 21 min
